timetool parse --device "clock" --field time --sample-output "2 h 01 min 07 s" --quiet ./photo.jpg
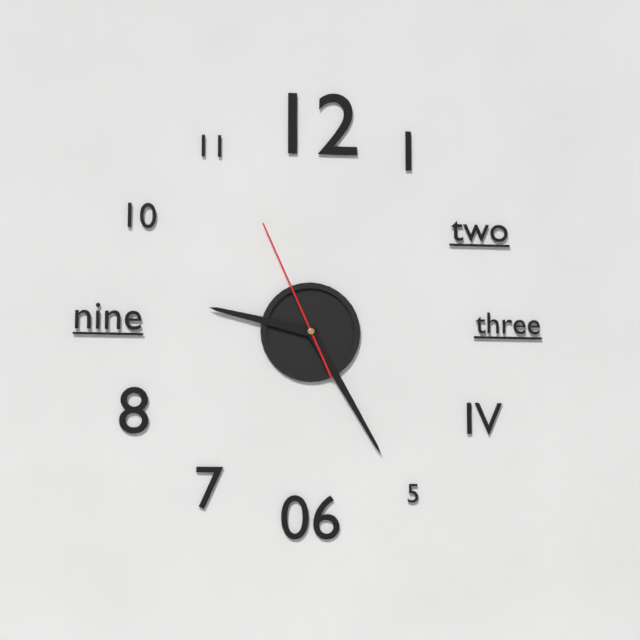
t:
9 h 25 min 56 s
